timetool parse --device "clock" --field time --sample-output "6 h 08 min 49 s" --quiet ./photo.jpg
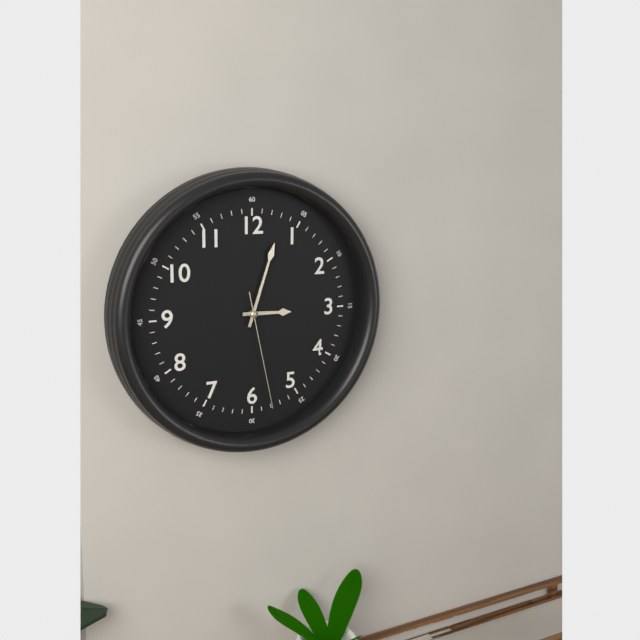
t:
3 h 03 min 28 s
